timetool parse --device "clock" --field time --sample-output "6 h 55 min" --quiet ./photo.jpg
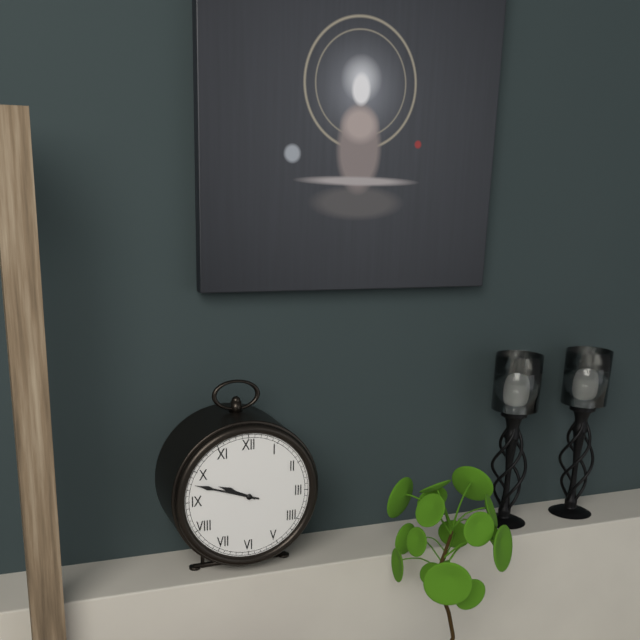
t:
9 h 48 min
